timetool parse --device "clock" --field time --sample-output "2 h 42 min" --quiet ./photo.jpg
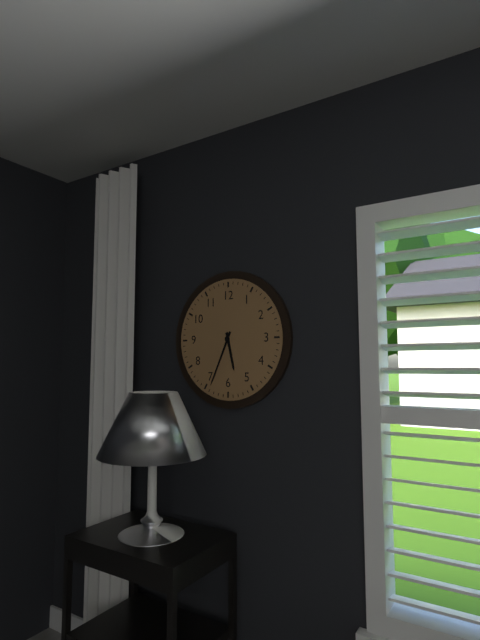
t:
5 h 34 min
